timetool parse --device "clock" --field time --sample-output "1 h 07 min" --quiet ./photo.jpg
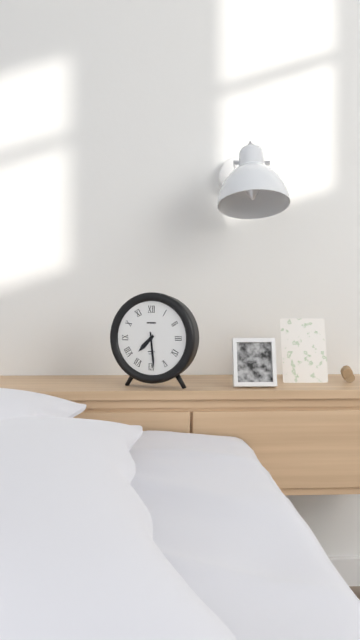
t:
7 h 29 min
